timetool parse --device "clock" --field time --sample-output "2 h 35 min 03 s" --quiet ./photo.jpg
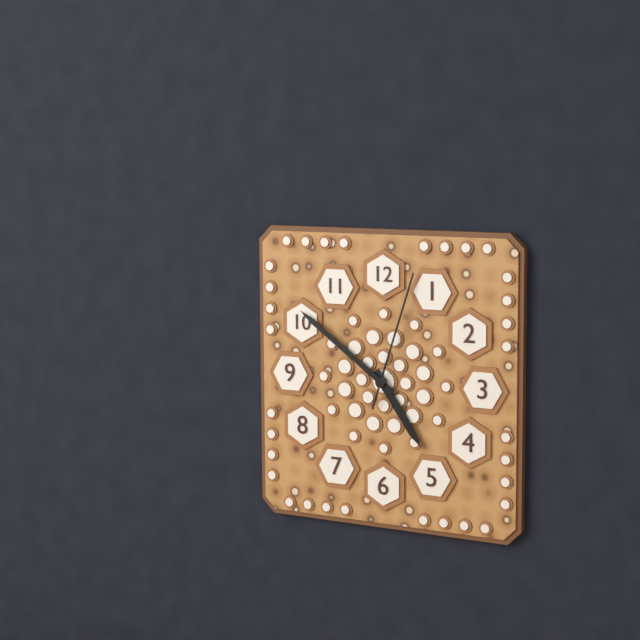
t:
4 h 51 min 03 s
